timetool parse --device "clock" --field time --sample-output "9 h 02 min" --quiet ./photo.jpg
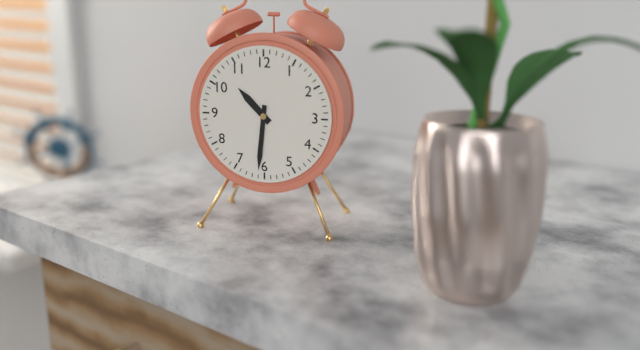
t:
10 h 31 min
